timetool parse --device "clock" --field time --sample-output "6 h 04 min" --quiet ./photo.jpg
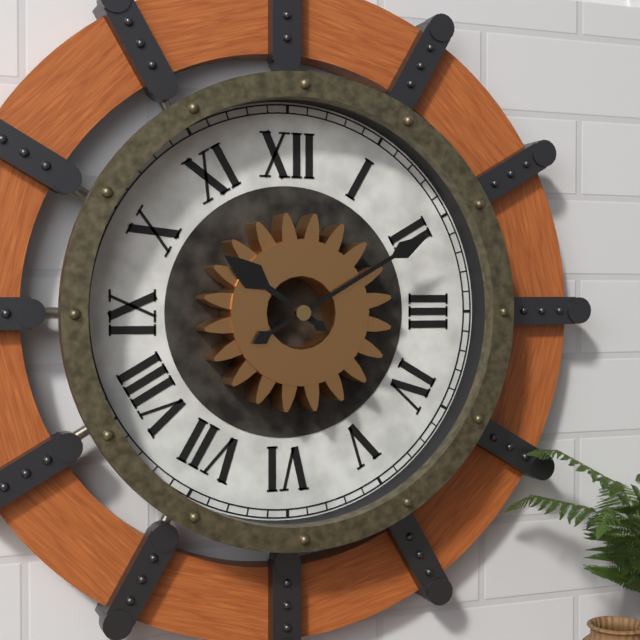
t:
10 h 10 min
